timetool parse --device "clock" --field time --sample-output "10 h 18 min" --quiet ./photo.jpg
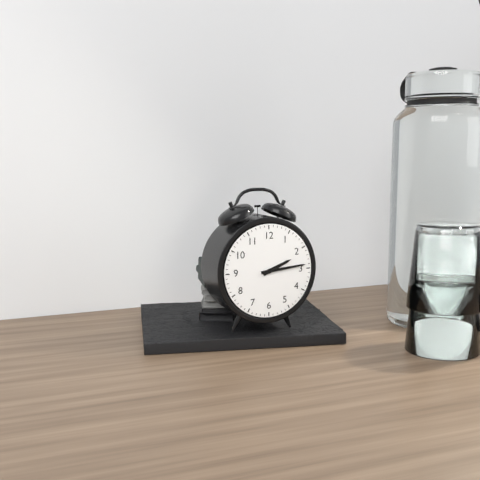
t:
2 h 14 min
